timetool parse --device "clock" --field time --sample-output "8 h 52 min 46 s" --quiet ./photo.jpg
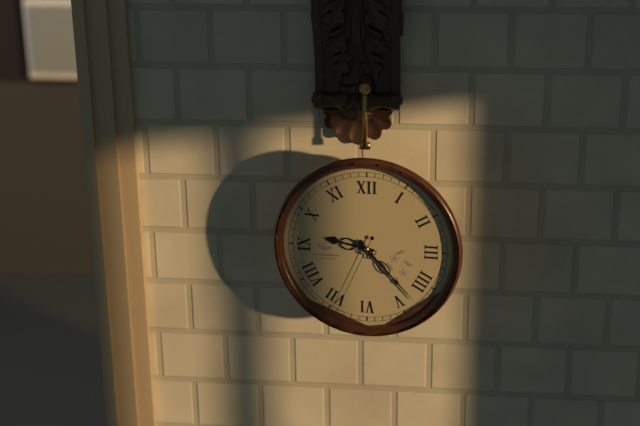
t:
9 h 23 min 34 s
